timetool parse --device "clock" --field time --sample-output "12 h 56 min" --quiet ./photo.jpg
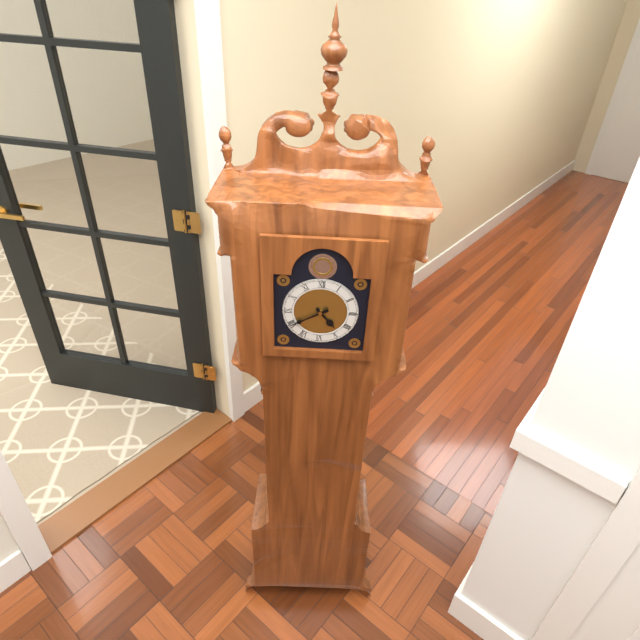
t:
4 h 40 min
